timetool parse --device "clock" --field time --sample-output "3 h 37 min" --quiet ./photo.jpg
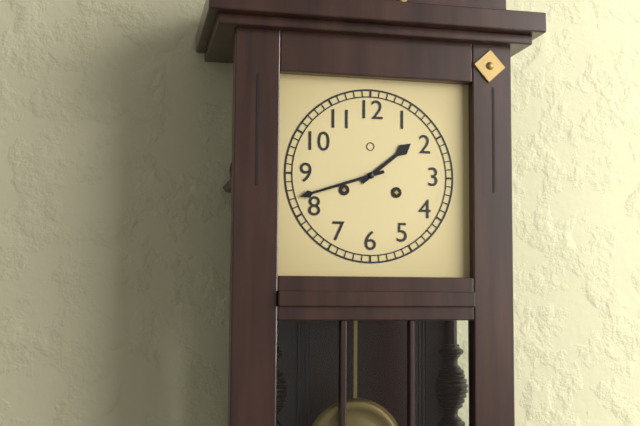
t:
1 h 42 min
